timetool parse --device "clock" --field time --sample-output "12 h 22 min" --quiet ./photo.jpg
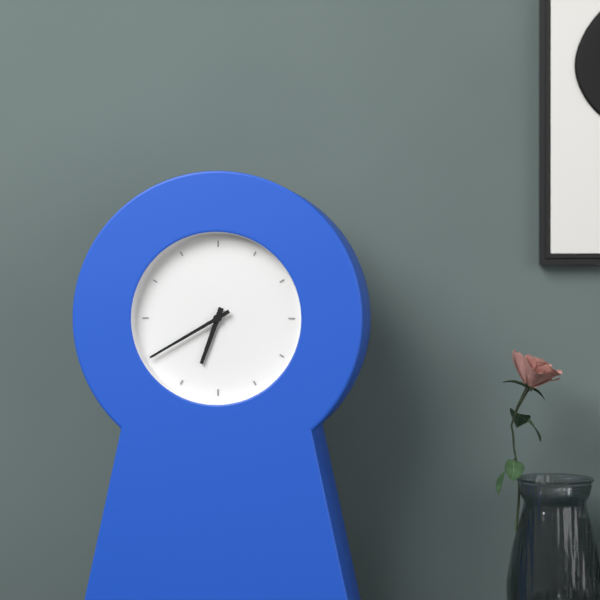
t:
6 h 40 min
